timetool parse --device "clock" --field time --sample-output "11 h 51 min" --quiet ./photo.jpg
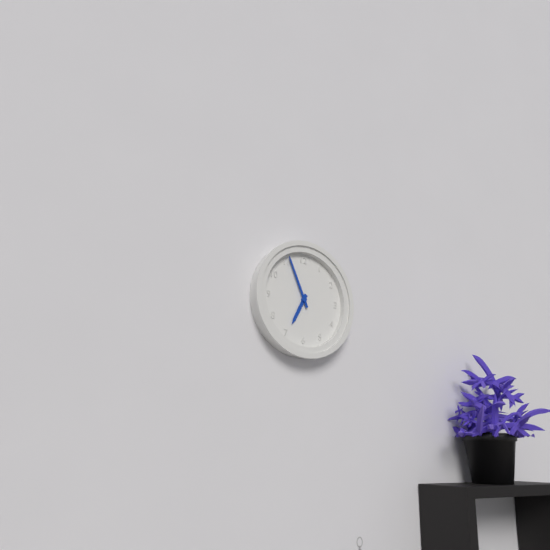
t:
6 h 56 min
